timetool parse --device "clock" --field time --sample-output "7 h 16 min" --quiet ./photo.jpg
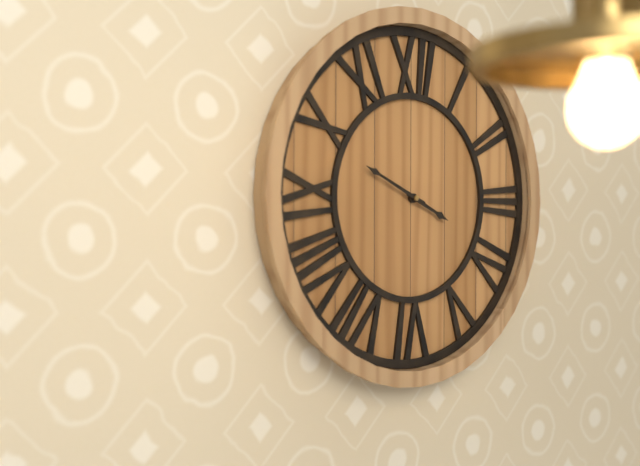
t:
3 h 49 min
